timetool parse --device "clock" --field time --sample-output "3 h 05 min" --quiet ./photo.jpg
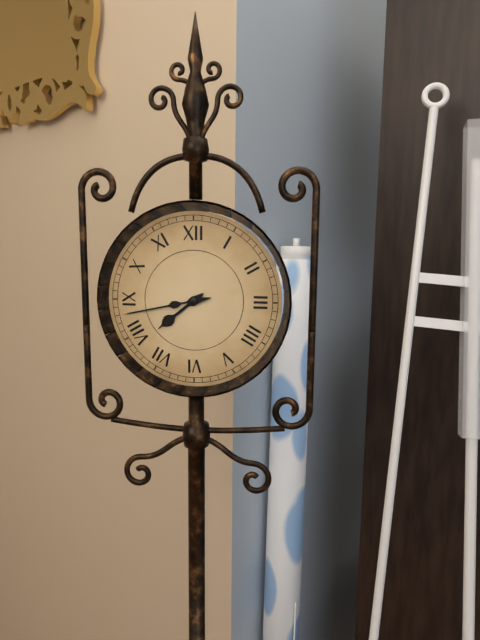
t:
7 h 43 min
